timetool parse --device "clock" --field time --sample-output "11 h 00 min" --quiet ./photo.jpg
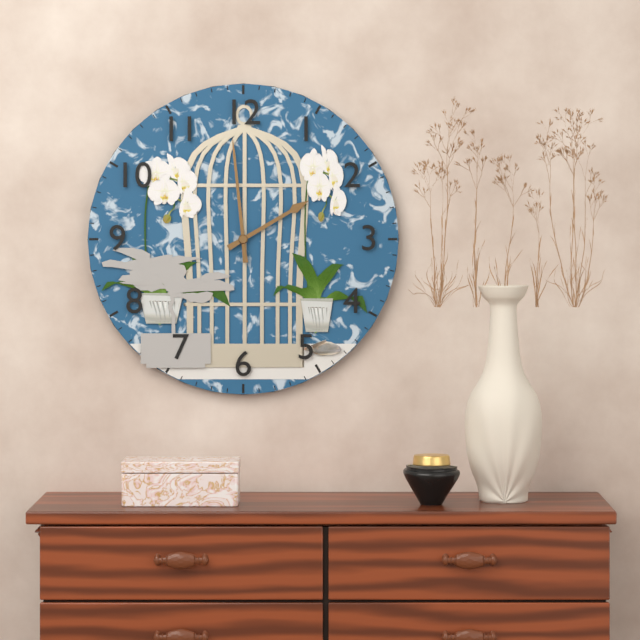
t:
1 h 59 min
